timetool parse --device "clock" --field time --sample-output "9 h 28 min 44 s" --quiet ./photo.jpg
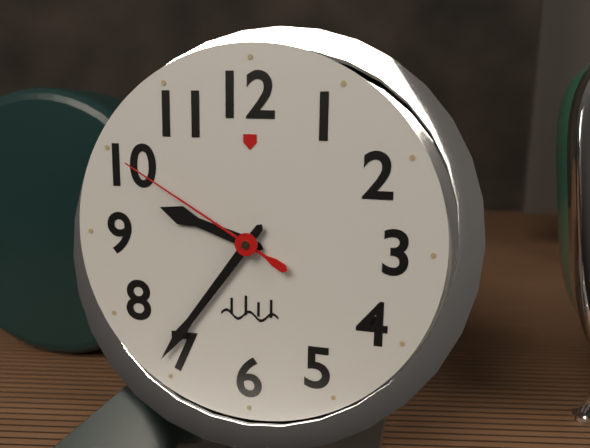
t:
9 h 36 min 50 s
